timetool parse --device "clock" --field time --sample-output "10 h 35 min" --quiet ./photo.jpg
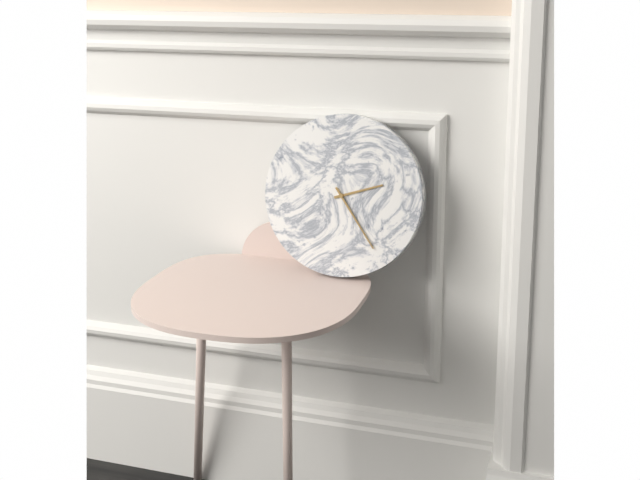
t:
2 h 24 min
